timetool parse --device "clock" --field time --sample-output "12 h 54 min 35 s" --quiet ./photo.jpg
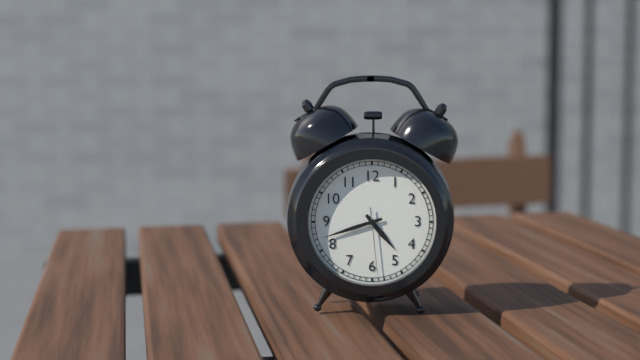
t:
4 h 42 min 29 s
